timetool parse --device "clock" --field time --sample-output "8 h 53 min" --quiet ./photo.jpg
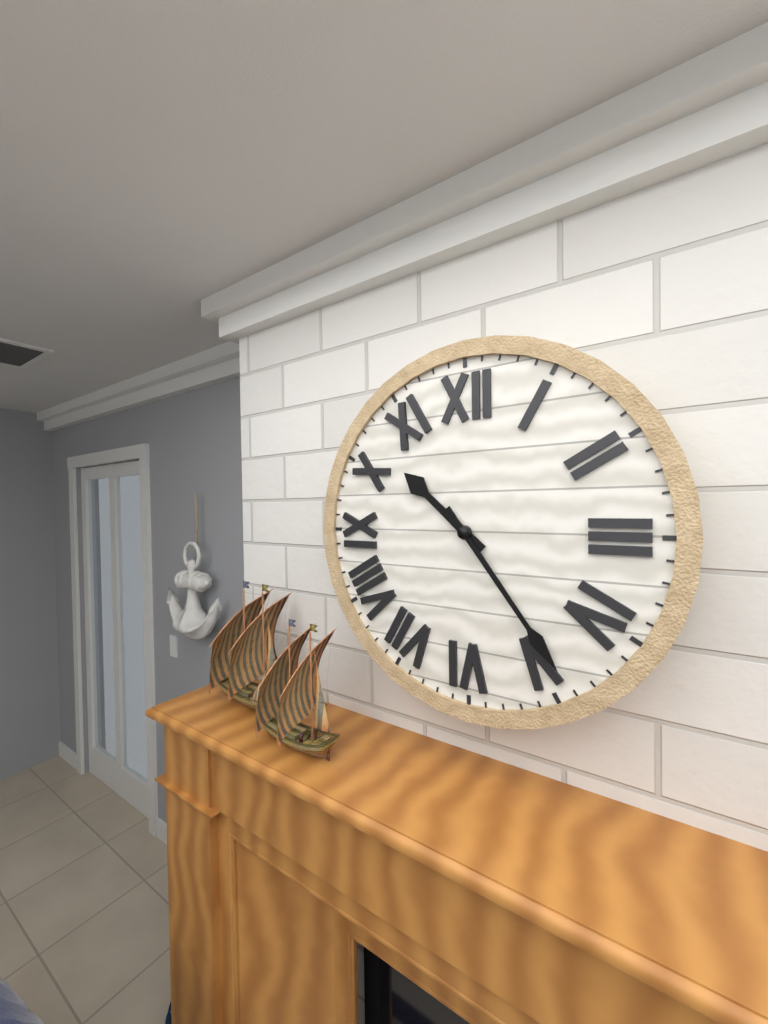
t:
10 h 24 min
